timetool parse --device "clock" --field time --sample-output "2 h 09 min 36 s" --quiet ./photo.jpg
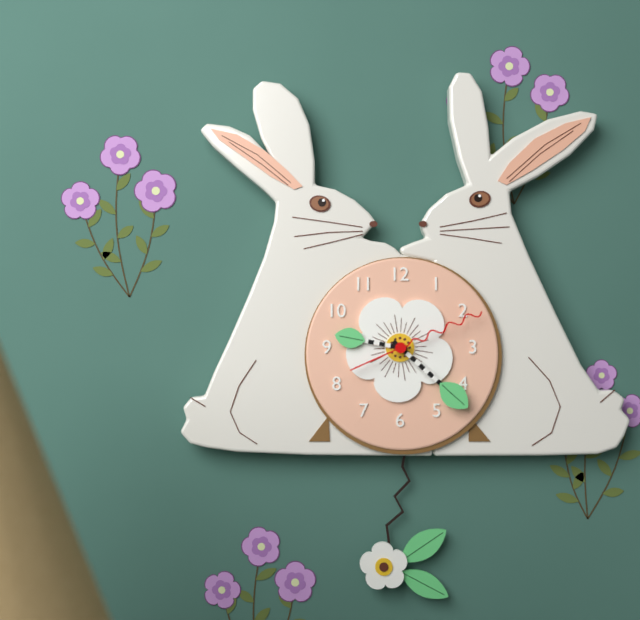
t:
9 h 22 min 11 s
